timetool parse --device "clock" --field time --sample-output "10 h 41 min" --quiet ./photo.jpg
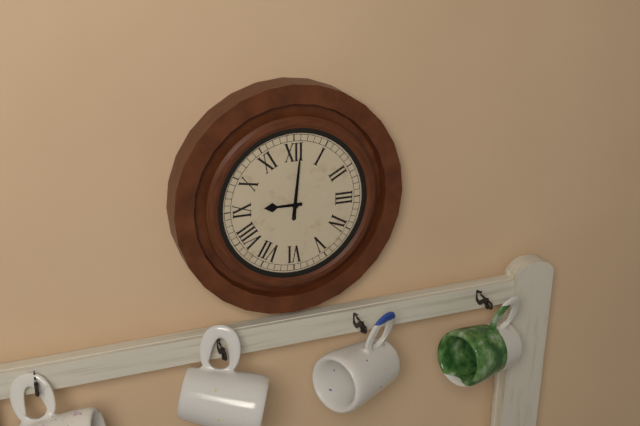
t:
9 h 01 min
